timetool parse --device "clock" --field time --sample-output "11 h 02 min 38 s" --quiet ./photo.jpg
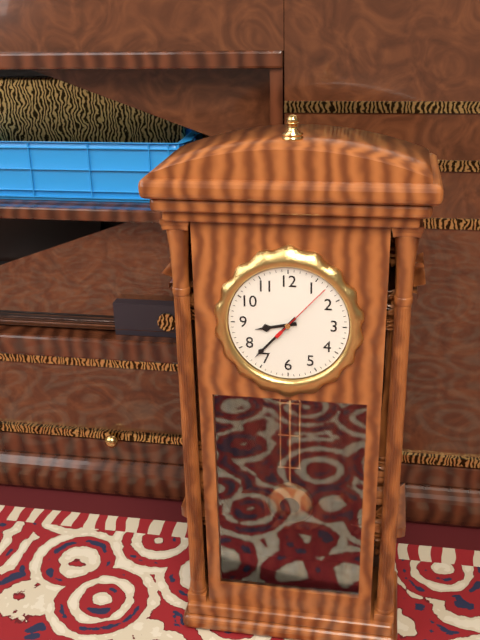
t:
8 h 37 min 07 s
